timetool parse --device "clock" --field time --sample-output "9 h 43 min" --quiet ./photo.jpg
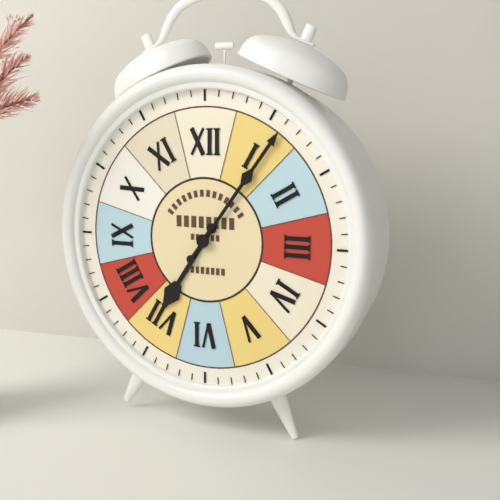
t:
7 h 06 min
